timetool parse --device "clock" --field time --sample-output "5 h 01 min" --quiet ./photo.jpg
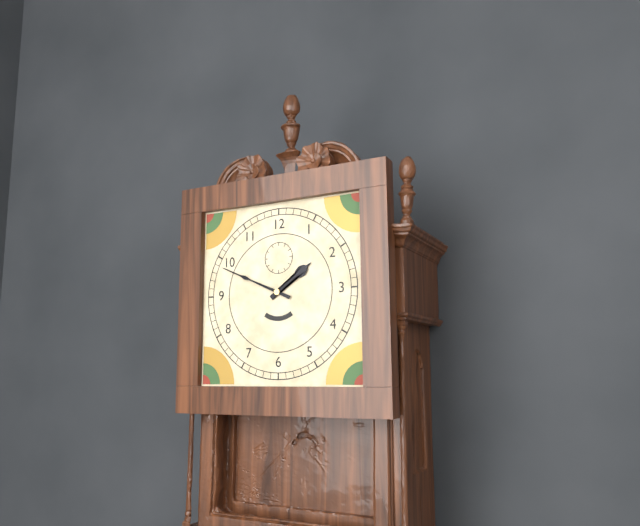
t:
1 h 49 min
